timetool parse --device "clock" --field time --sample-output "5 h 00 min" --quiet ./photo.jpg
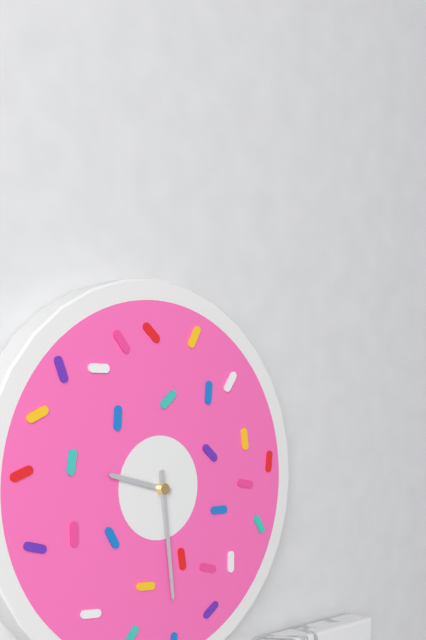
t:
9 h 29 min
